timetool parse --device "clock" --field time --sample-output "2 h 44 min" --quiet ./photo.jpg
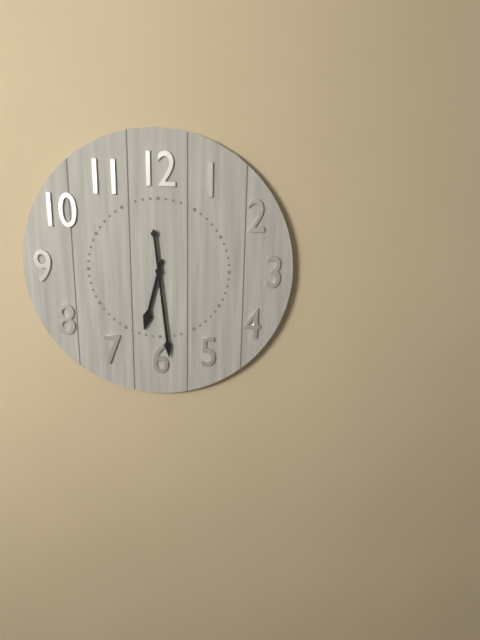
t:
6 h 29 min
